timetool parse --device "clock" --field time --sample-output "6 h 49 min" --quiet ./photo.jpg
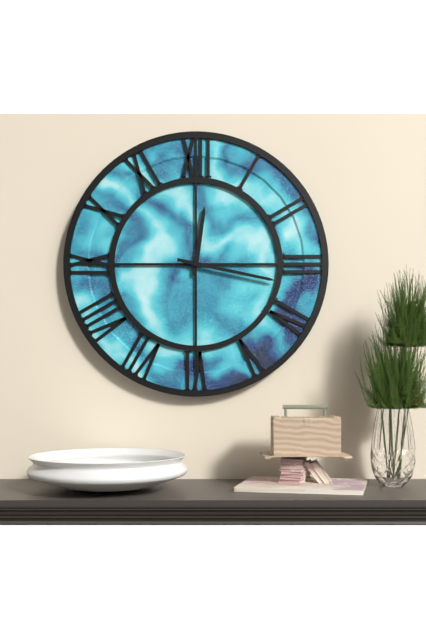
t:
12 h 17 min
